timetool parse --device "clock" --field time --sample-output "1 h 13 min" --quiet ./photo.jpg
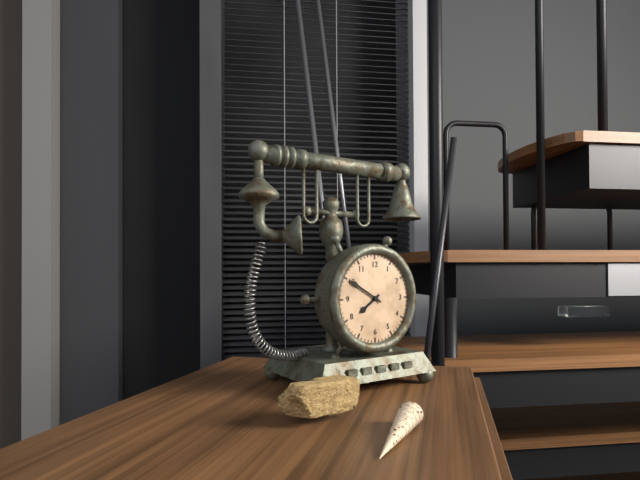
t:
7 h 50 min
